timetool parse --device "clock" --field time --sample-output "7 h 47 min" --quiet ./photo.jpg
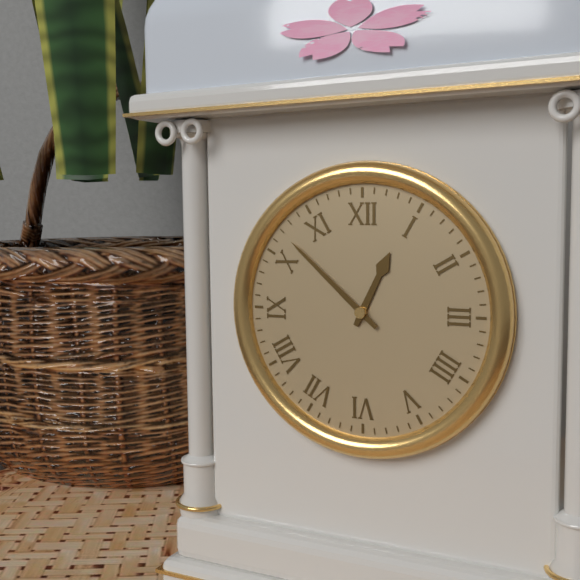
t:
12 h 52 min
